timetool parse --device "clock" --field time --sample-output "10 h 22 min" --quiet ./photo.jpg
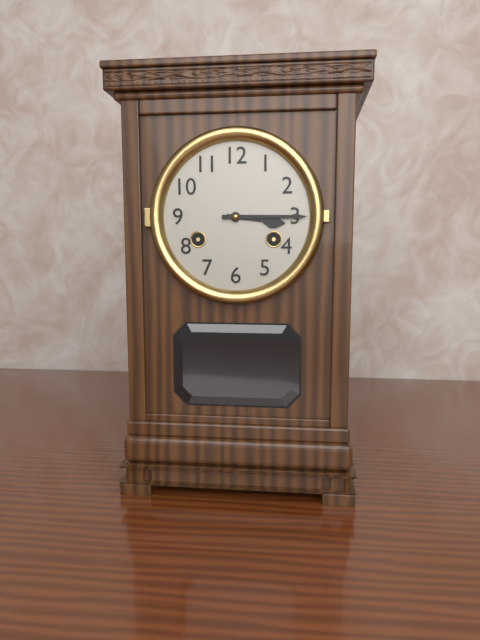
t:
3 h 15 min
